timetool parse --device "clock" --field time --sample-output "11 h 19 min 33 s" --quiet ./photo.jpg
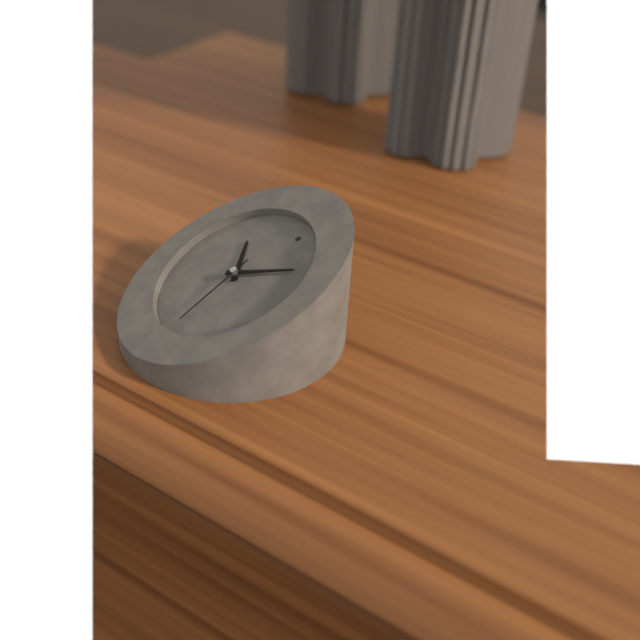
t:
10 h 07 min 27 s
